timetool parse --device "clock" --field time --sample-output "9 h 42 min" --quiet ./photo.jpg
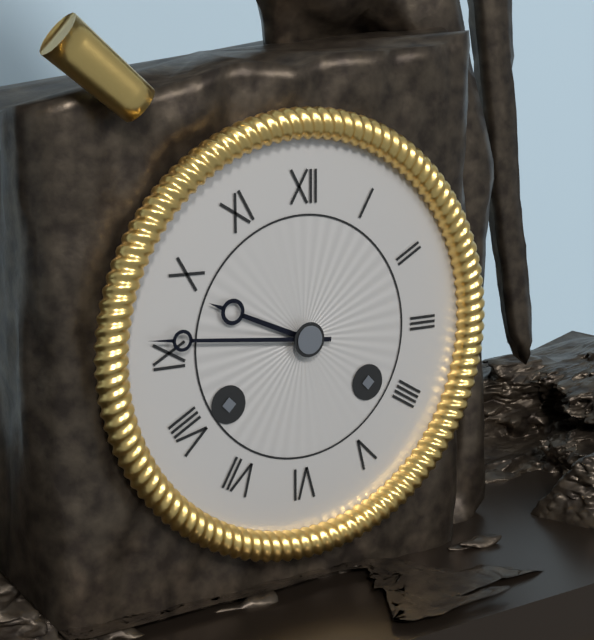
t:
9 h 46 min
